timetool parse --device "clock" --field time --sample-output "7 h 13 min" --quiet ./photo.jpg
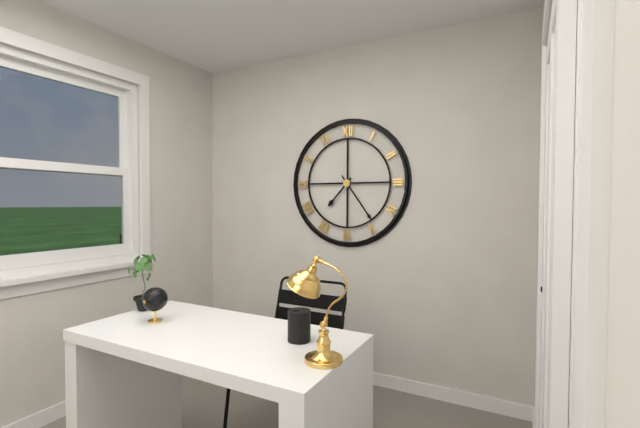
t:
7 h 24 min
